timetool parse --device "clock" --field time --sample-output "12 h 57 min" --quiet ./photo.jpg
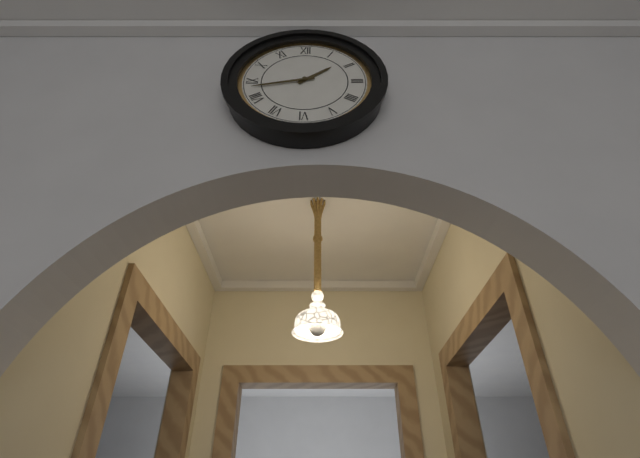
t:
1 h 43 min
